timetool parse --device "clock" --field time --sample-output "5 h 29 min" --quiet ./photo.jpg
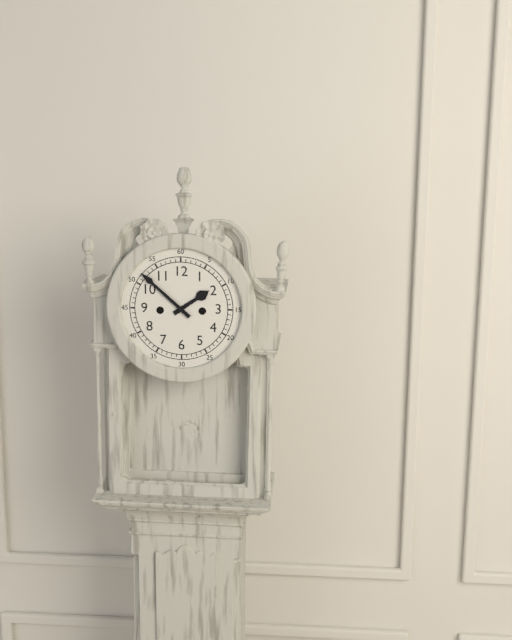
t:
1 h 52 min
